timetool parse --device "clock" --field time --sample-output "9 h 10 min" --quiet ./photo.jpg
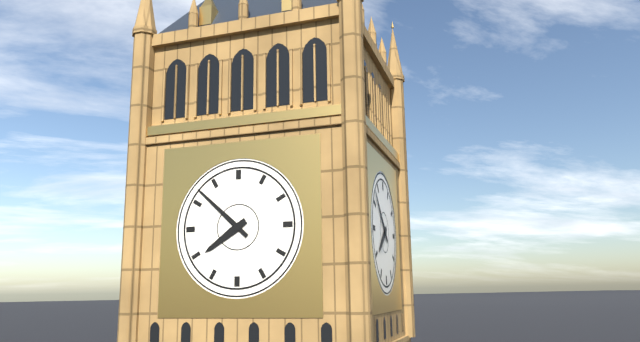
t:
7 h 52 min
